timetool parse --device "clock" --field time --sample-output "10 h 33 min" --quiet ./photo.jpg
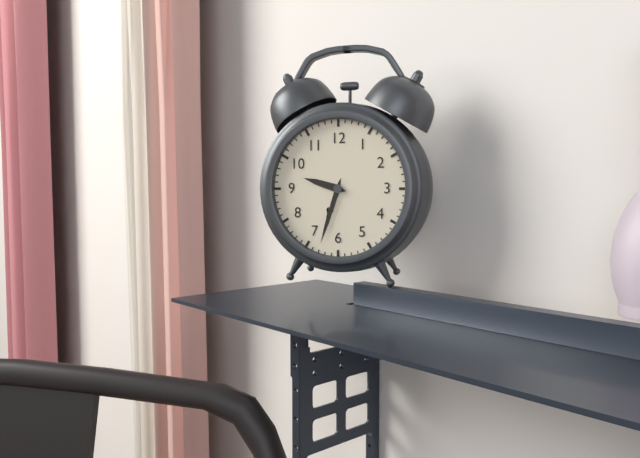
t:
9 h 33 min
